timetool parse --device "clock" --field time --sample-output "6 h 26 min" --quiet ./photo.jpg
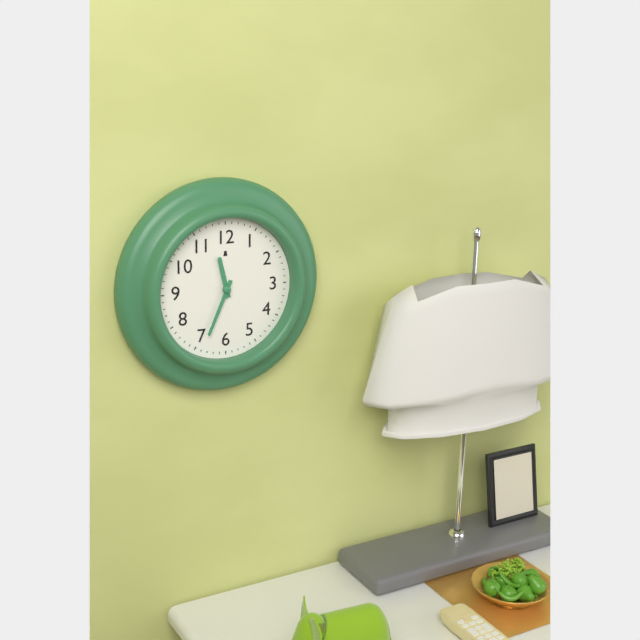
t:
11 h 34 min
